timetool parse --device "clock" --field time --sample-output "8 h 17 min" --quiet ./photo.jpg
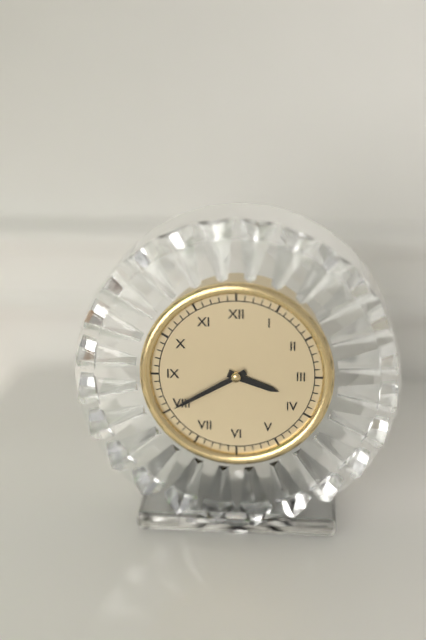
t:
3 h 40 min
